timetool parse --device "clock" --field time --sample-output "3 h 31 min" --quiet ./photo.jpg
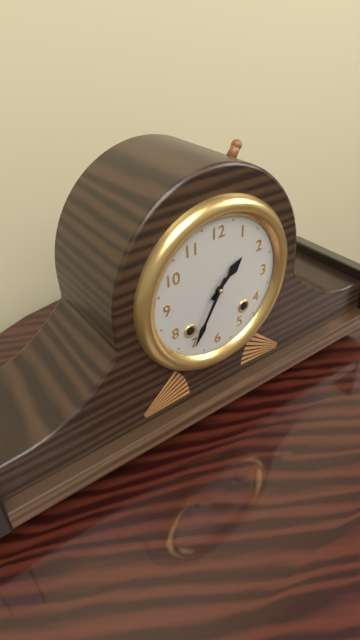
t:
1 h 35 min
